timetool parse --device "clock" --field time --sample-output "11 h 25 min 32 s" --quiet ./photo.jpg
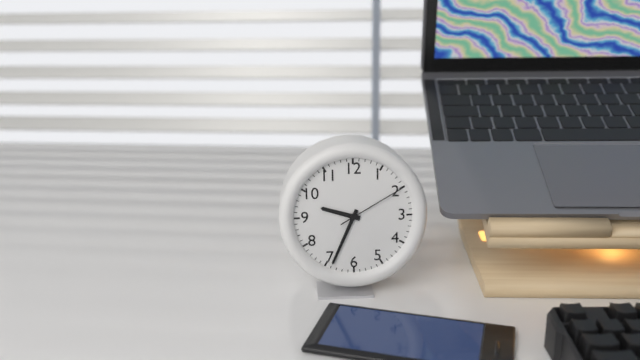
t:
9 h 34 min 10 s
